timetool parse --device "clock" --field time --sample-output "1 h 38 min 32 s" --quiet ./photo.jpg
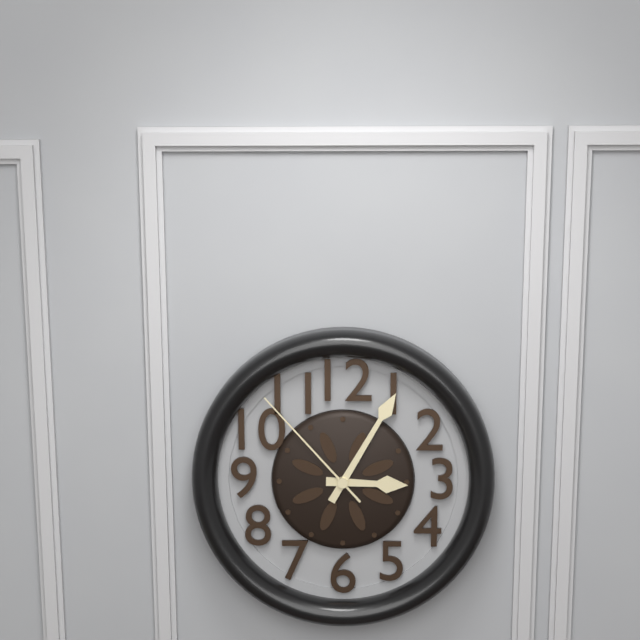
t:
3 h 05 min 53 s
